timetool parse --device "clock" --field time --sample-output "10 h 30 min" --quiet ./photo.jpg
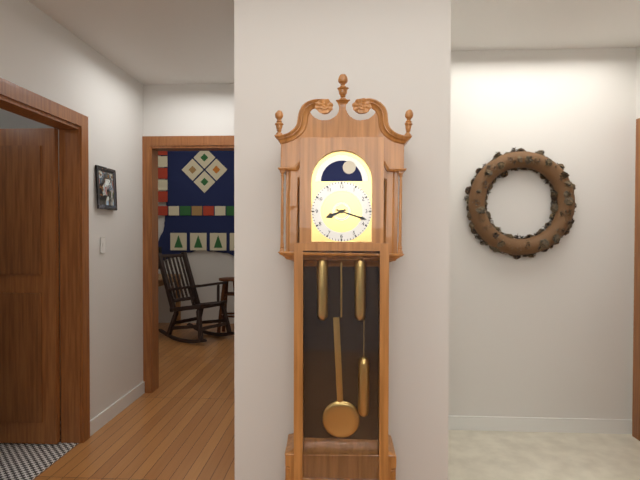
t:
8 h 18 min
